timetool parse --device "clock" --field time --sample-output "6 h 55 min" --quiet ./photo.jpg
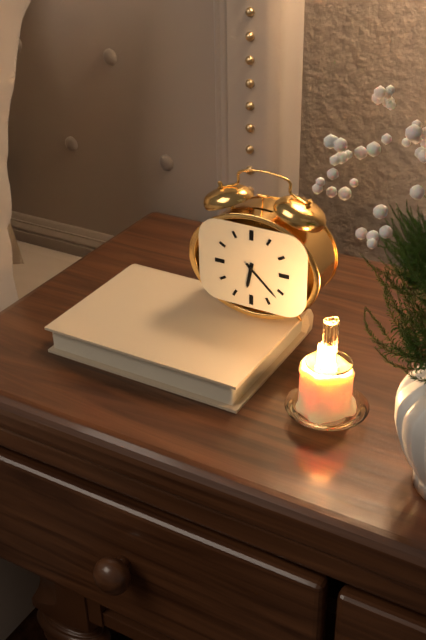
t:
6 h 22 min
